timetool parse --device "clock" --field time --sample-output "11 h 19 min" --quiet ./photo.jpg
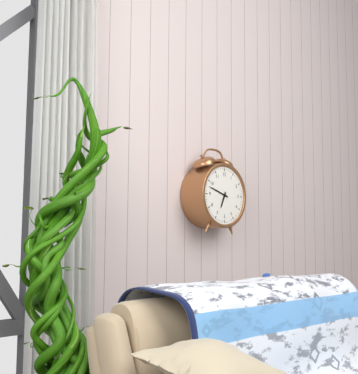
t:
6 h 48 min
